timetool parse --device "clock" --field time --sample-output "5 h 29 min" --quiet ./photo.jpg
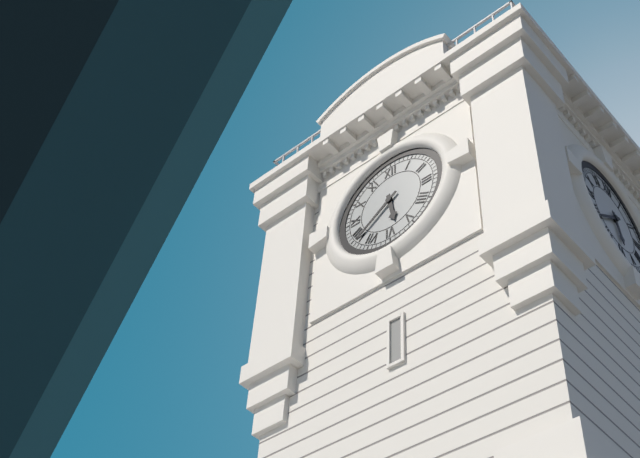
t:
5 h 39 min
